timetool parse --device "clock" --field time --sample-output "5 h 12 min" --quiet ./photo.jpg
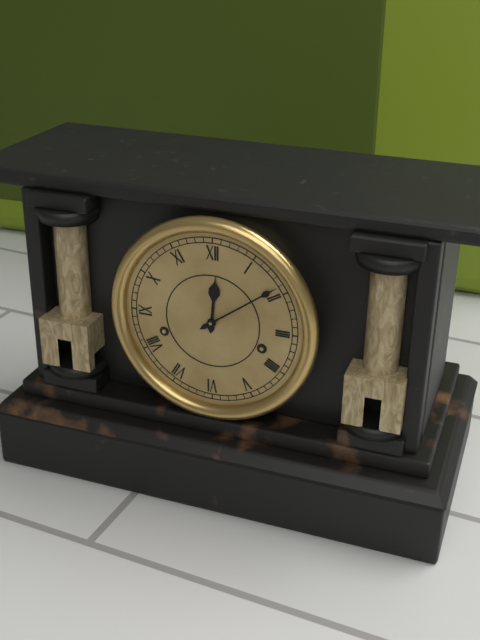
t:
12 h 09 min
